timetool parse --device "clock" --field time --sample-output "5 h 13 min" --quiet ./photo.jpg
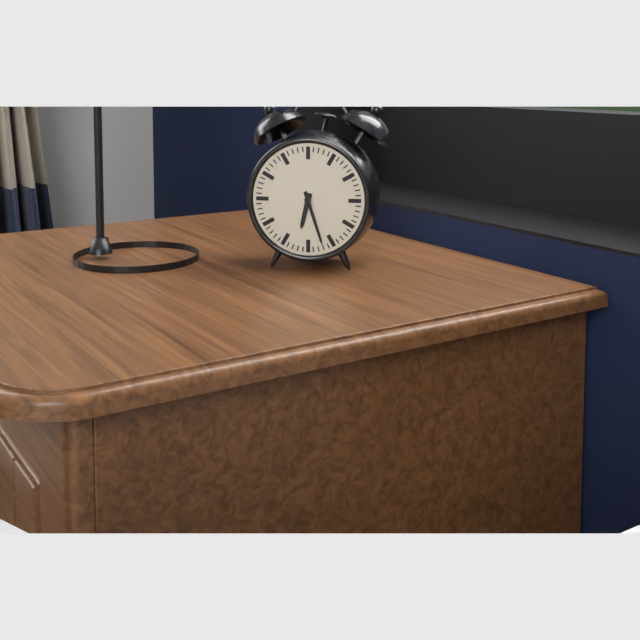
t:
6 h 27 min
